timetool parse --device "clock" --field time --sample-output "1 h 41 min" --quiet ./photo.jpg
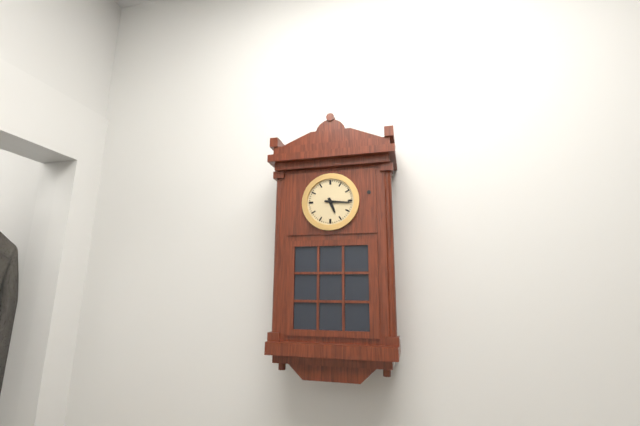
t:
5 h 16 min
